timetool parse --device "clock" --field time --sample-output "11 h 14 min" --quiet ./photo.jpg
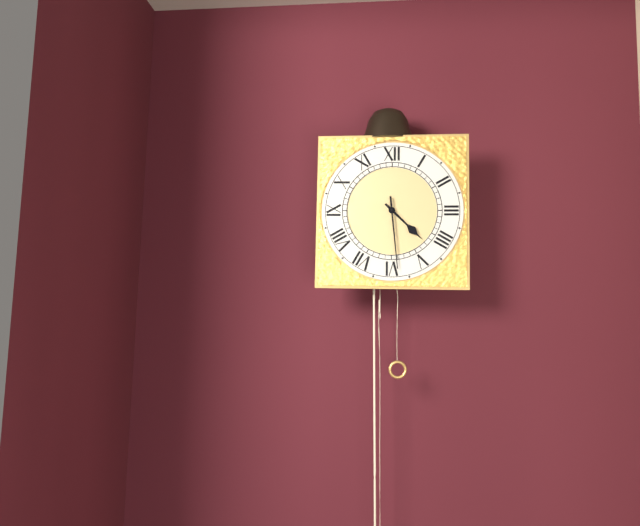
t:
4 h 29 min
